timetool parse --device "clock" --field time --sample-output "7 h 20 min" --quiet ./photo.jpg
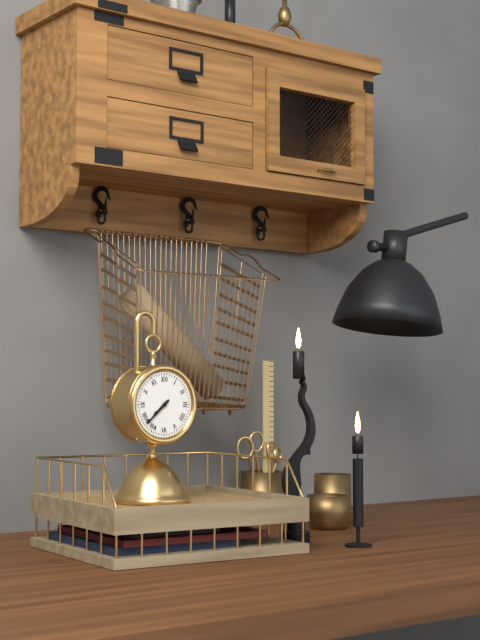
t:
7 h 38 min
